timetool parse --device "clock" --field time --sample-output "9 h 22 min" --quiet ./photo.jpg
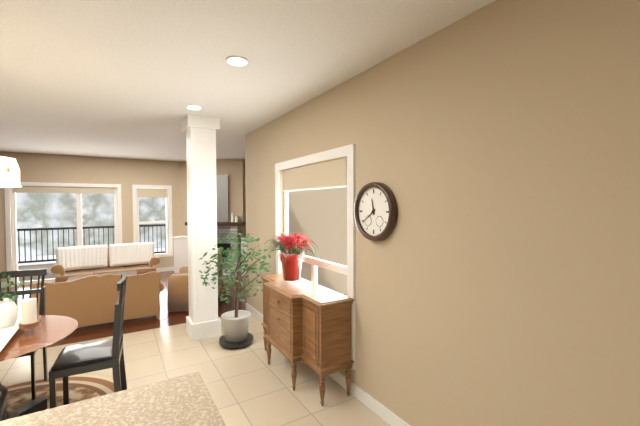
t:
11 h 39 min
